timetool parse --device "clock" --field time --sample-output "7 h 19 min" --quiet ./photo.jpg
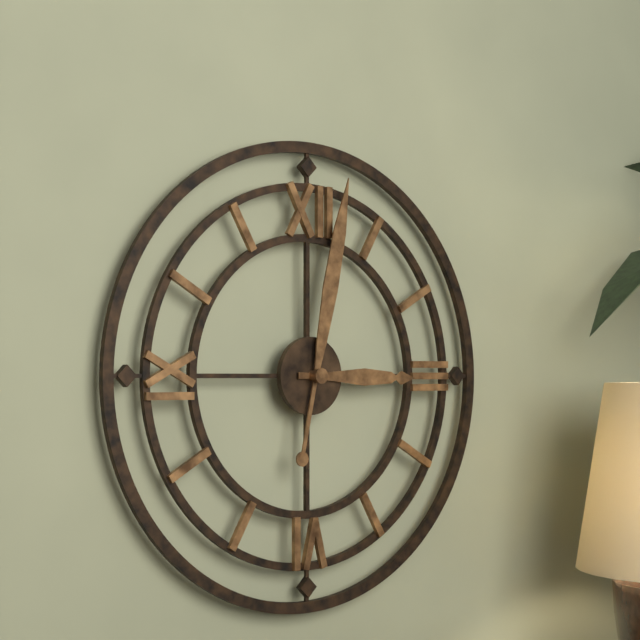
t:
3 h 02 min
